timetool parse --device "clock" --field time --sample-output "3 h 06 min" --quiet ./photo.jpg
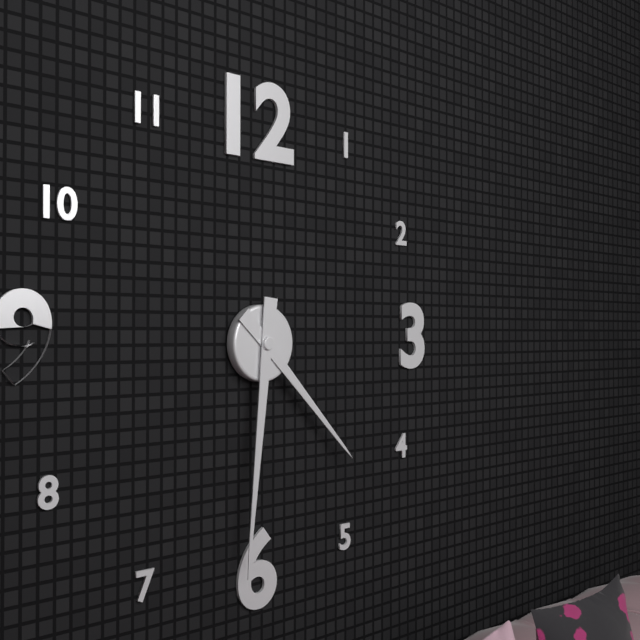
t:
4 h 31 min
